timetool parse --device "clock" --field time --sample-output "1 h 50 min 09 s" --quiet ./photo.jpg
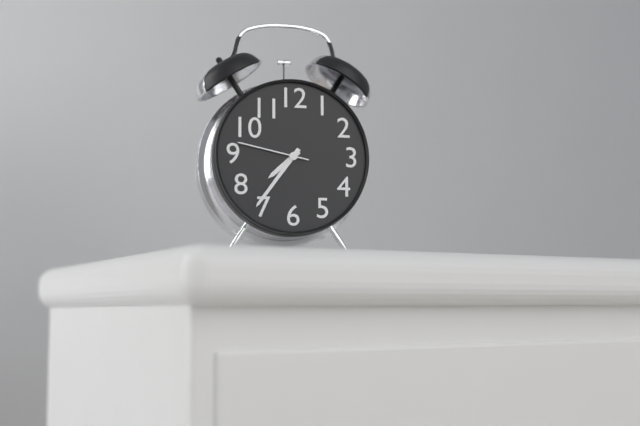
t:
7 h 36 min 47 s
